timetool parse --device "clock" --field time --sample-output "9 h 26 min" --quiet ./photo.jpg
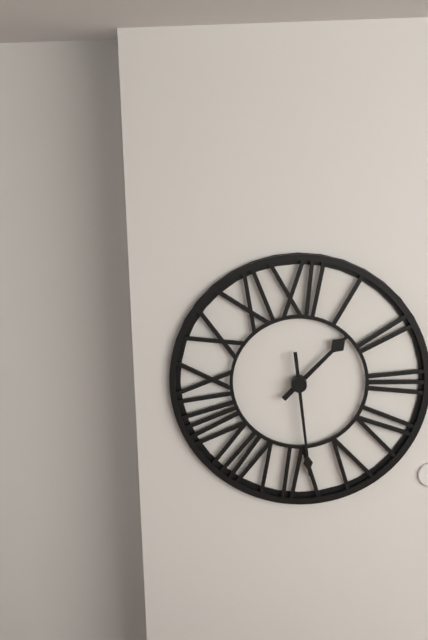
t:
1 h 29 min
